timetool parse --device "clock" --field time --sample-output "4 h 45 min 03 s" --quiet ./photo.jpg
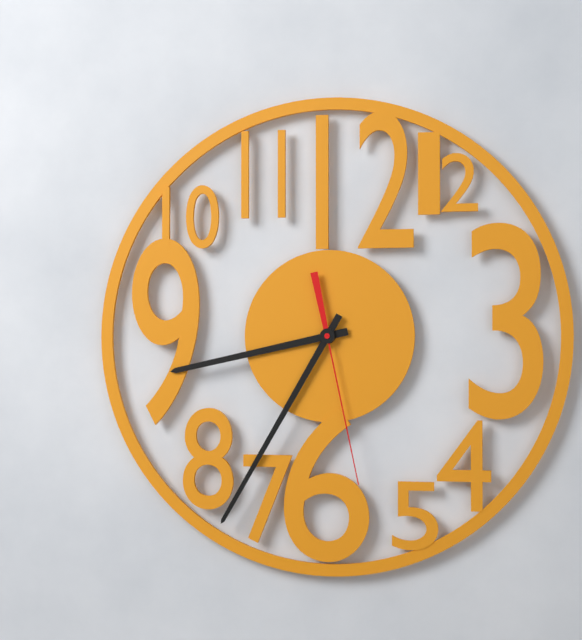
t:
8 h 35 min 28 s
